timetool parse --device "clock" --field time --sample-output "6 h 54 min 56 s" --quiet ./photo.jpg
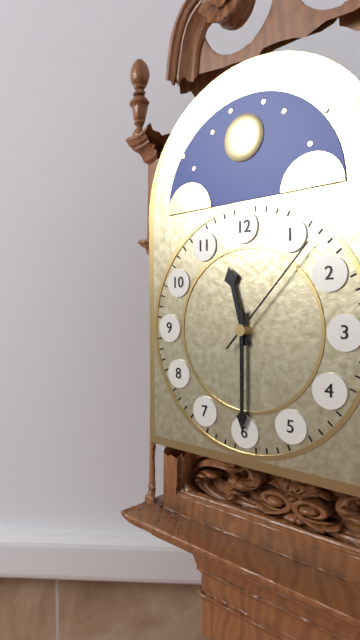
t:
11 h 30 min 07 s
